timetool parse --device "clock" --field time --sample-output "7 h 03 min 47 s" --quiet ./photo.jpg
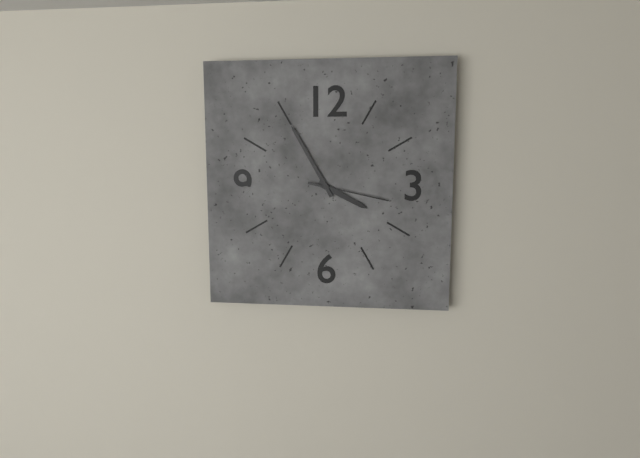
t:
3 h 55 min 17 s
